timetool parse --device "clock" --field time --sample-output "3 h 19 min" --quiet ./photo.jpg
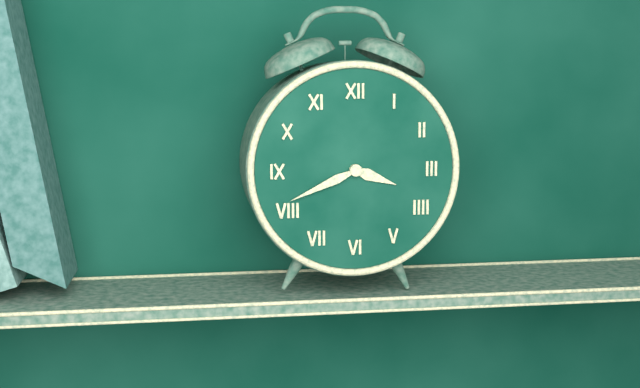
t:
3 h 41 min
